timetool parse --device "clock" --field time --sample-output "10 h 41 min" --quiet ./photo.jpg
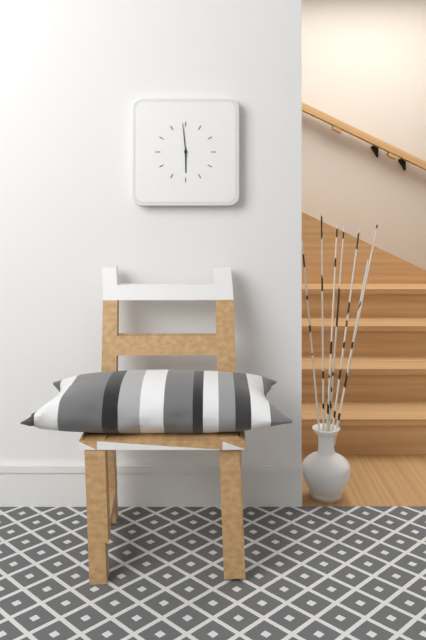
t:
5 h 59 min
